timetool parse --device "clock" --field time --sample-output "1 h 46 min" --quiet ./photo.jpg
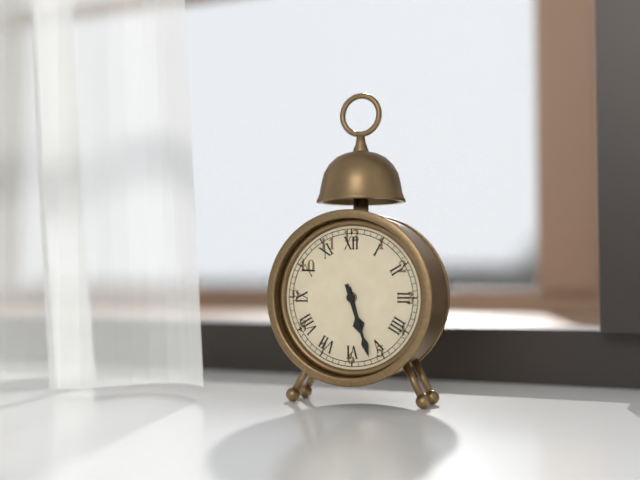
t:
5 h 27 min
